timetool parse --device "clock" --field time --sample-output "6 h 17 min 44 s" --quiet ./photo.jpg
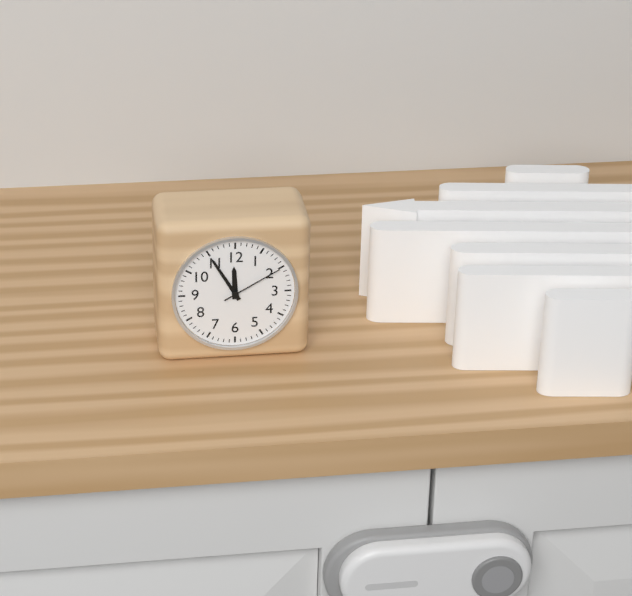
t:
11 h 55 min 10 s
